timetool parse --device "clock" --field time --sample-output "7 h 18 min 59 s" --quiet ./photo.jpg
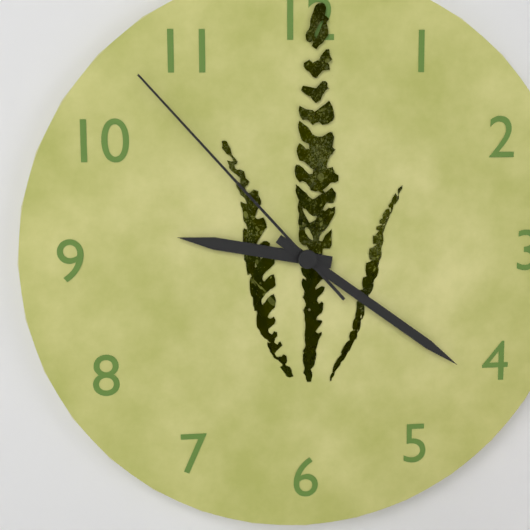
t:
9 h 21 min 53 s
